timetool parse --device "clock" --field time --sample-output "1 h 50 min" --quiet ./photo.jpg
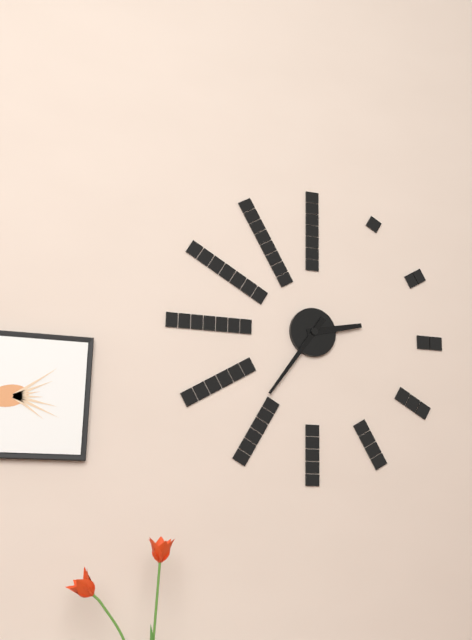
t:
2 h 36 min
